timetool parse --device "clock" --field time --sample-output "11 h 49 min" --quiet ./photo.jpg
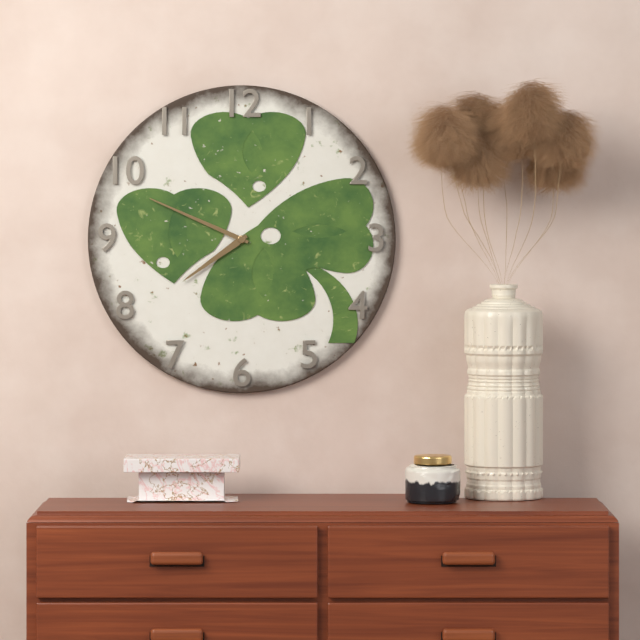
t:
7 h 49 min
